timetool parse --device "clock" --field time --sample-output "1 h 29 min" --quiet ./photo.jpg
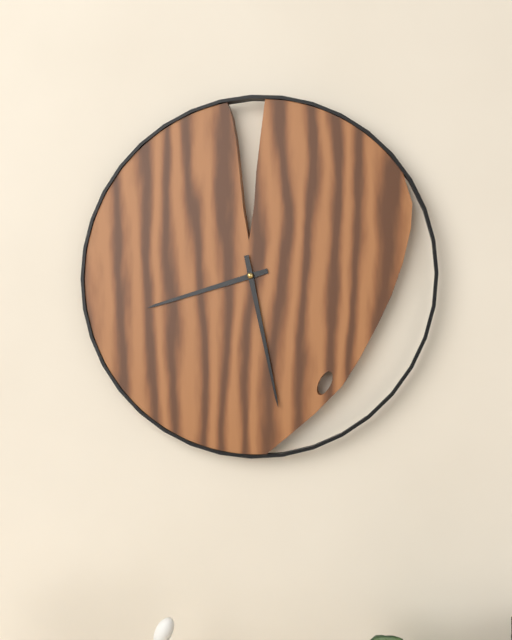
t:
8 h 28 min
